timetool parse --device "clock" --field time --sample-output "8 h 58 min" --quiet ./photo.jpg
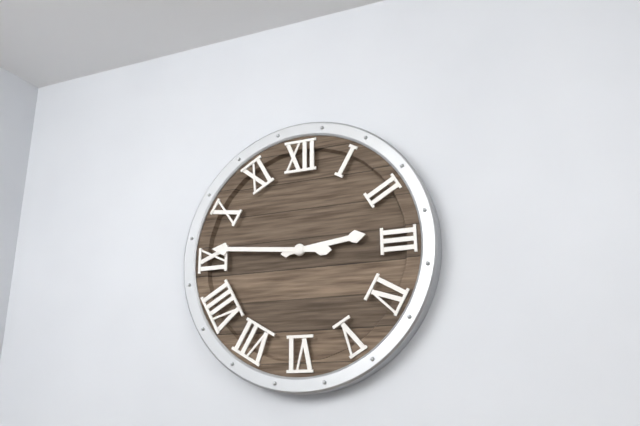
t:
2 h 46 min
